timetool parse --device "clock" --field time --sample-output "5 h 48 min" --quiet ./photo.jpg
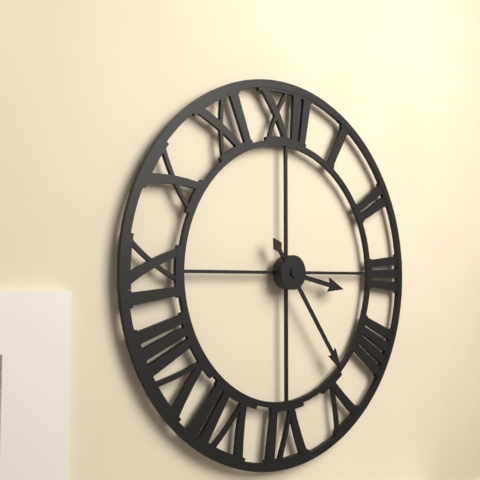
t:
3 h 24 min
